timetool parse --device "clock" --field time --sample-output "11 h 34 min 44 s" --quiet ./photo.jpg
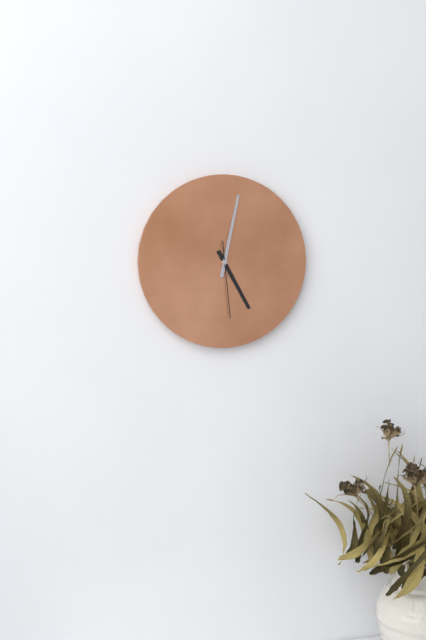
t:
5 h 02 min 29 s
